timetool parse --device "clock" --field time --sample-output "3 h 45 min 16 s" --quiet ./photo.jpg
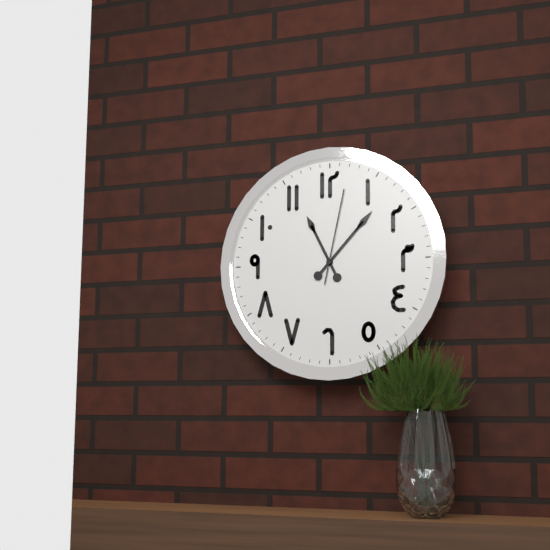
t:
11 h 07 min 02 s
